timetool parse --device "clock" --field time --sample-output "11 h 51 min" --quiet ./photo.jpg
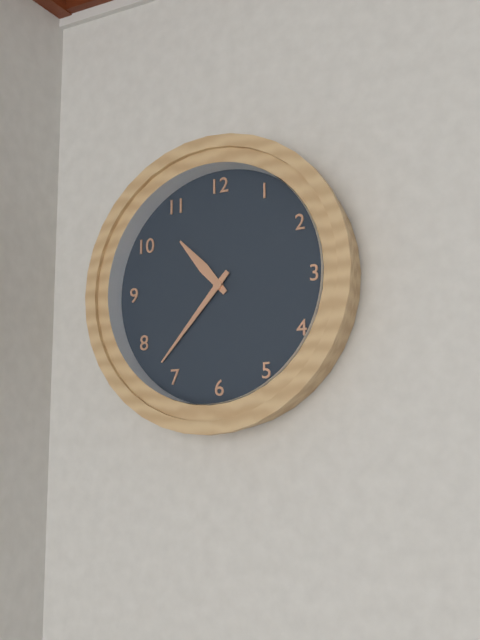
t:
10 h 37 min
